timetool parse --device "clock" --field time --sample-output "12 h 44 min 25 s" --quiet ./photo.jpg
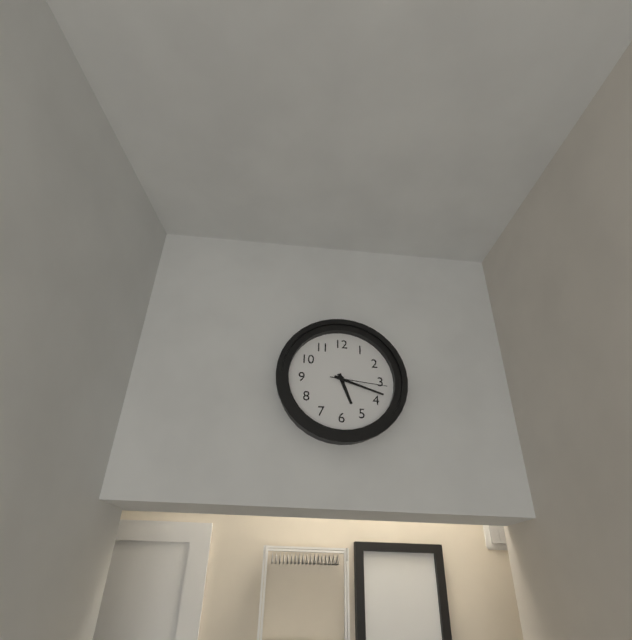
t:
5 h 18 min 16 s
